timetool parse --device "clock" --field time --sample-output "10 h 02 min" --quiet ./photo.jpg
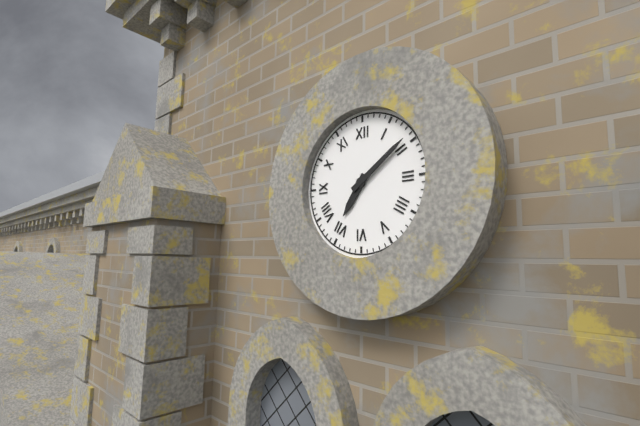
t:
7 h 09 min
